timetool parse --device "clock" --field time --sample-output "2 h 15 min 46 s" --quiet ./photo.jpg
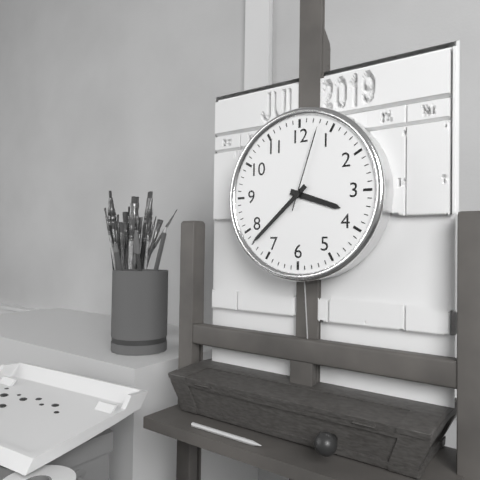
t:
3 h 38 min 03 s
